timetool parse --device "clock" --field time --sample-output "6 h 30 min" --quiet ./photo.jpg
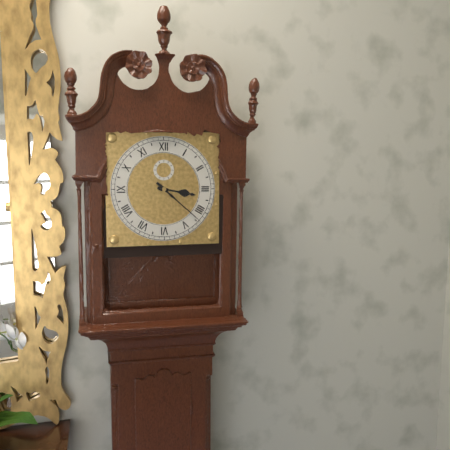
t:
3 h 22 min
